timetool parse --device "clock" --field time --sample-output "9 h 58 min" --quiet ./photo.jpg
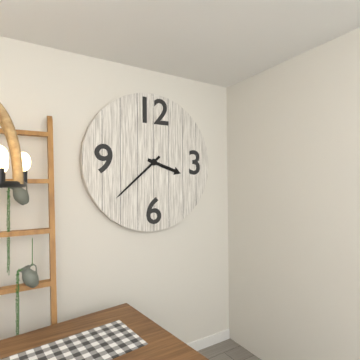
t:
3 h 38 min
